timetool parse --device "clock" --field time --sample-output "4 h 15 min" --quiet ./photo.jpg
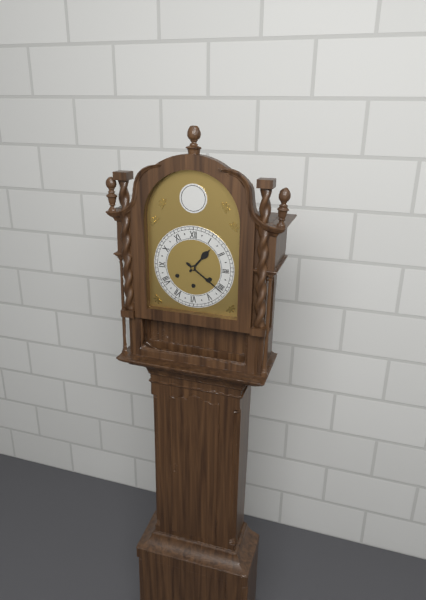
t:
1 h 21 min
